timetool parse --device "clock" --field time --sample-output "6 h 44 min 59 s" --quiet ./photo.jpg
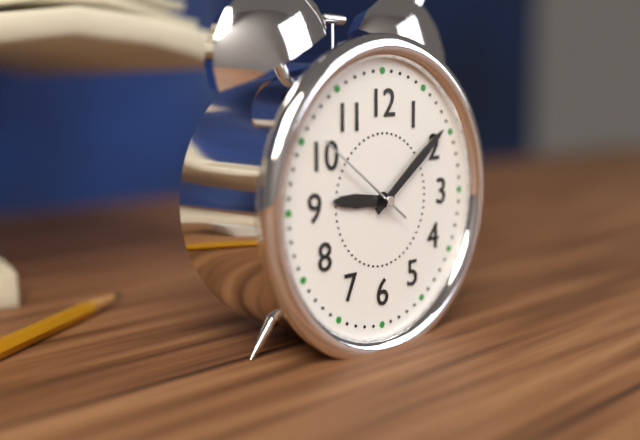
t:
9 h 09 min 51 s
